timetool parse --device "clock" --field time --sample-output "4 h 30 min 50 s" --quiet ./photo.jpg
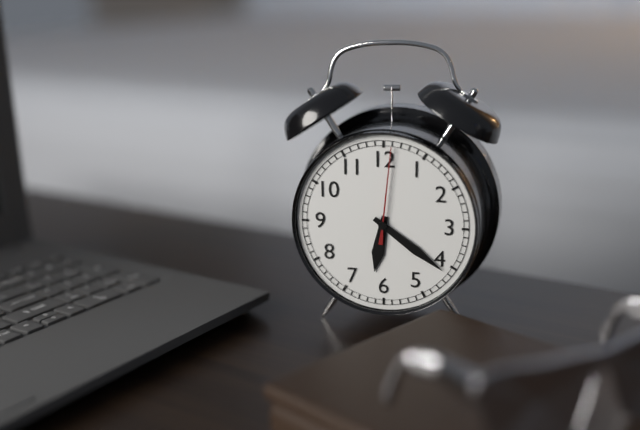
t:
6 h 21 min 01 s
